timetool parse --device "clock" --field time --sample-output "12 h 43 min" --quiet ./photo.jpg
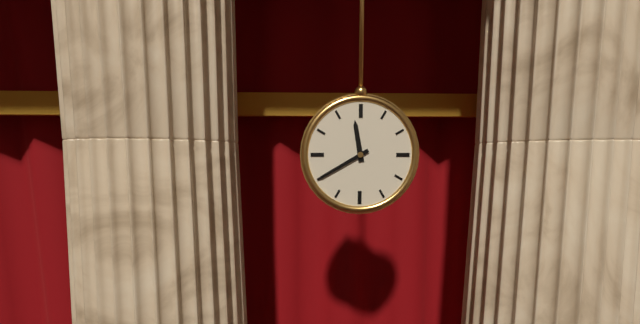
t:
11 h 40 min
